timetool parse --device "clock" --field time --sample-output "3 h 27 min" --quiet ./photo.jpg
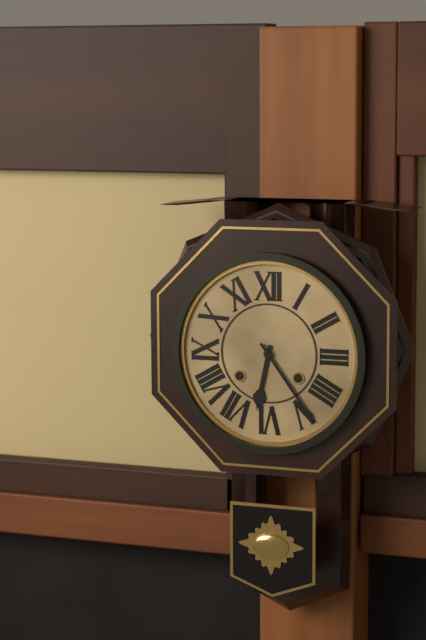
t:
6 h 24 min
